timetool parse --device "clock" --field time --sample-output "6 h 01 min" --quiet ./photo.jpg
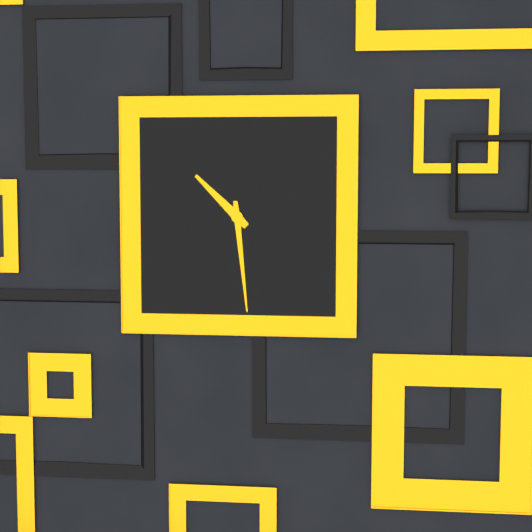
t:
10 h 29 min
